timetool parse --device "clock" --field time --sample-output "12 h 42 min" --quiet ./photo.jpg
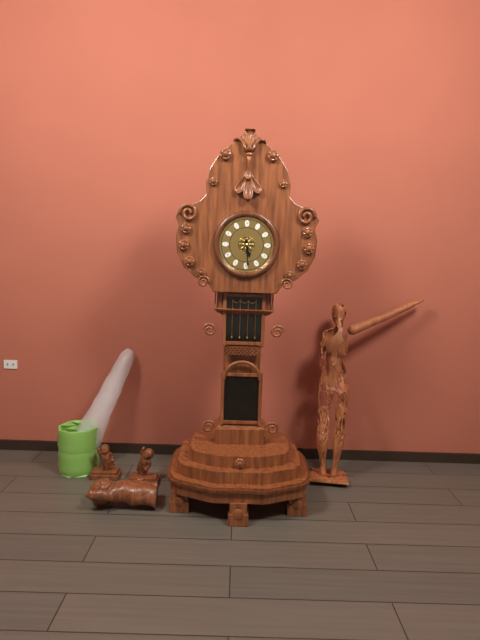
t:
5 h 29 min
